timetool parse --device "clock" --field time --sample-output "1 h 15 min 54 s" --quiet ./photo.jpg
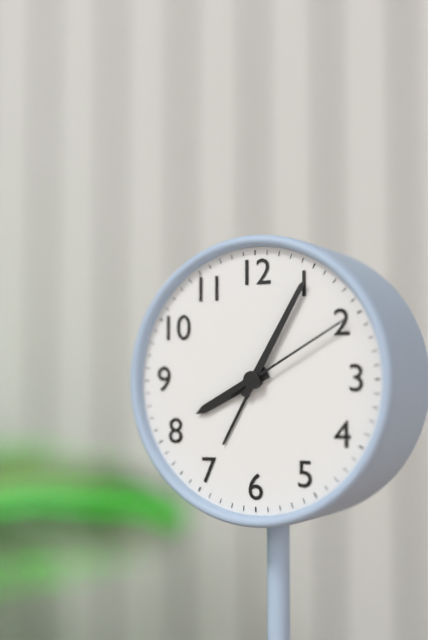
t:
8 h 05 min 10 s
